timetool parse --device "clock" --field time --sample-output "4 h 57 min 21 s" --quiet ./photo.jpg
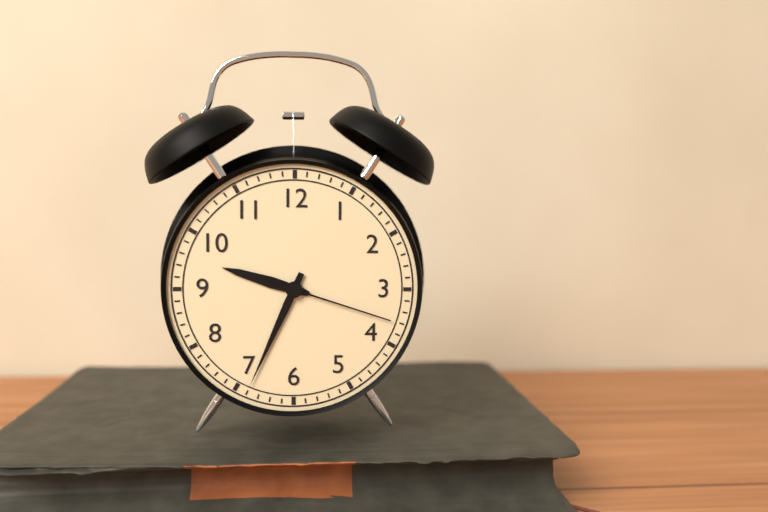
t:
9 h 34 min 18 s
